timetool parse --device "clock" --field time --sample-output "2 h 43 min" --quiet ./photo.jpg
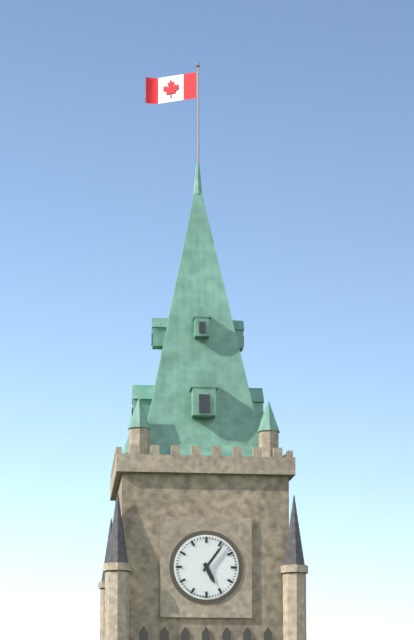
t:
5 h 06 min
